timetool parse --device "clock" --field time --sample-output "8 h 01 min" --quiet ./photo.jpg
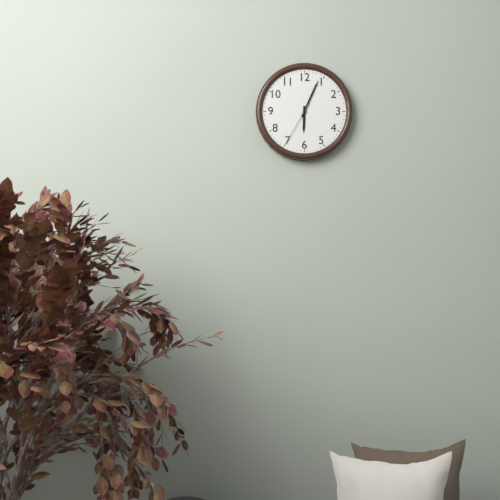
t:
6 h 04 min
